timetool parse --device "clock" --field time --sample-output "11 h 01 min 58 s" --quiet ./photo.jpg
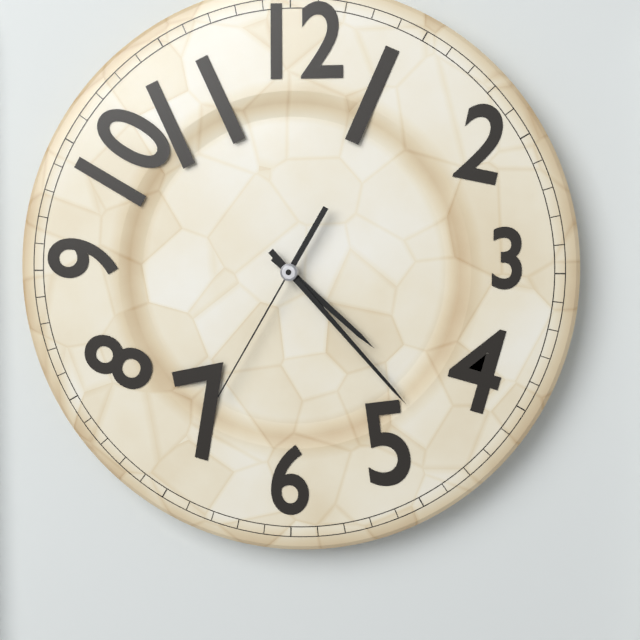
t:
4 h 23 min 35 s
